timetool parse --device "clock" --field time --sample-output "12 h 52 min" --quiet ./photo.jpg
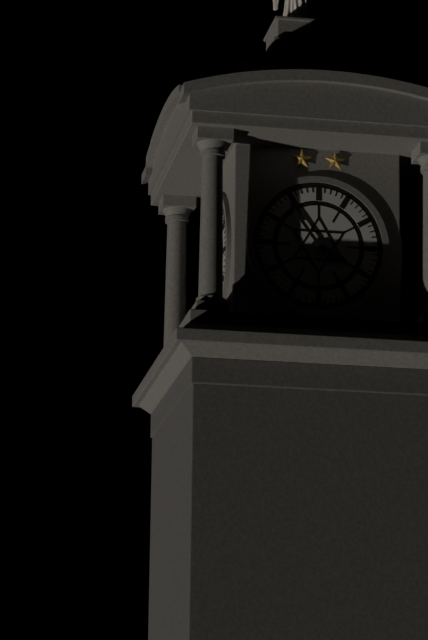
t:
3 h 54 min
